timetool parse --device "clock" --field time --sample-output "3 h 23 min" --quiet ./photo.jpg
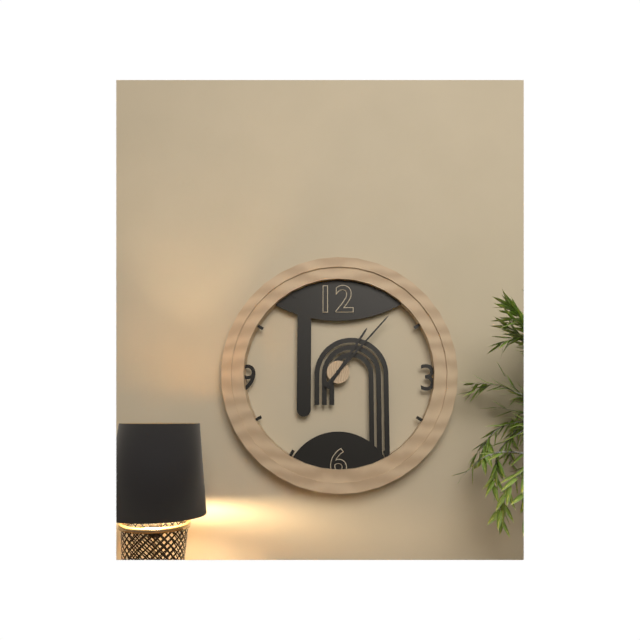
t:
1 h 07 min
